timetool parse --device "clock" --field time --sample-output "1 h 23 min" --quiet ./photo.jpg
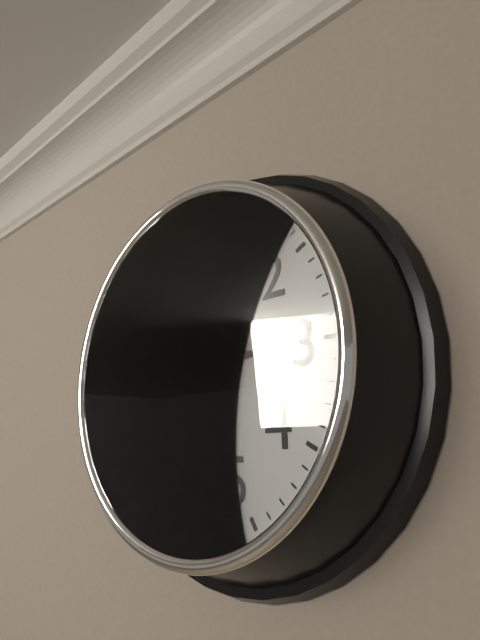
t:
3 h 03 min
